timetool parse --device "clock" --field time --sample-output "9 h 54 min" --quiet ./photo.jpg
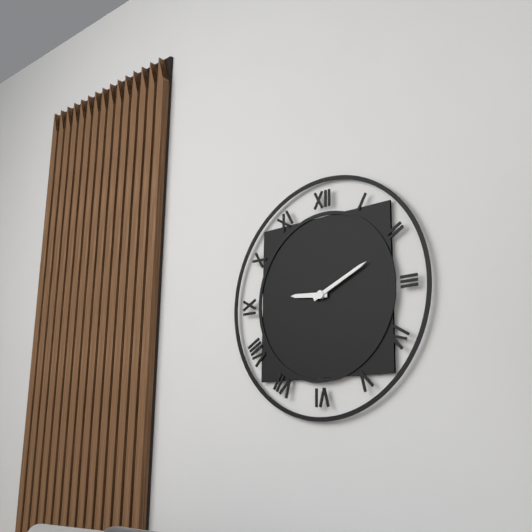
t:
9 h 11 min
